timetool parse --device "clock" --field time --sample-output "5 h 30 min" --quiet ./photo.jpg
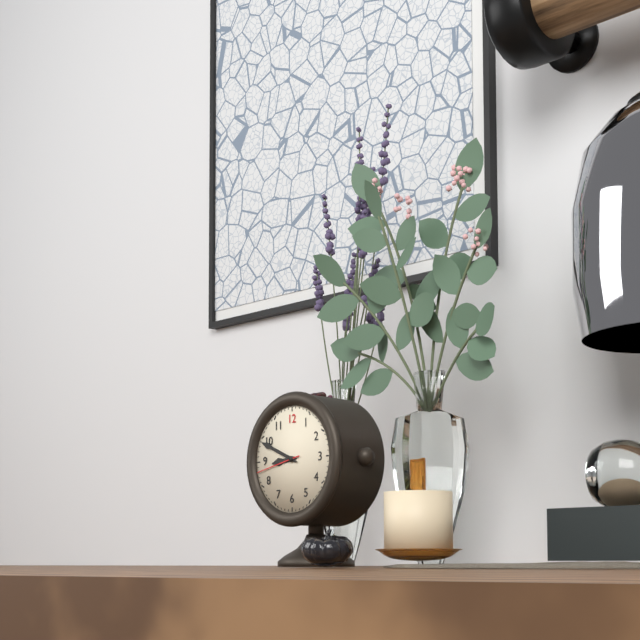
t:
8 h 49 min
